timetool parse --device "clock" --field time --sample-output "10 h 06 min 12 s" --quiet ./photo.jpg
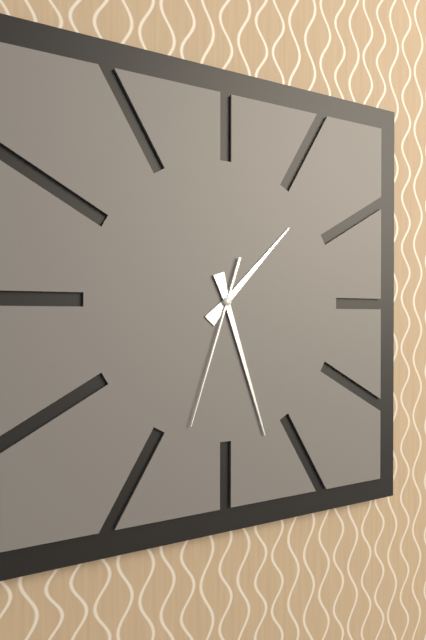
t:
1 h 27 min 33 s
